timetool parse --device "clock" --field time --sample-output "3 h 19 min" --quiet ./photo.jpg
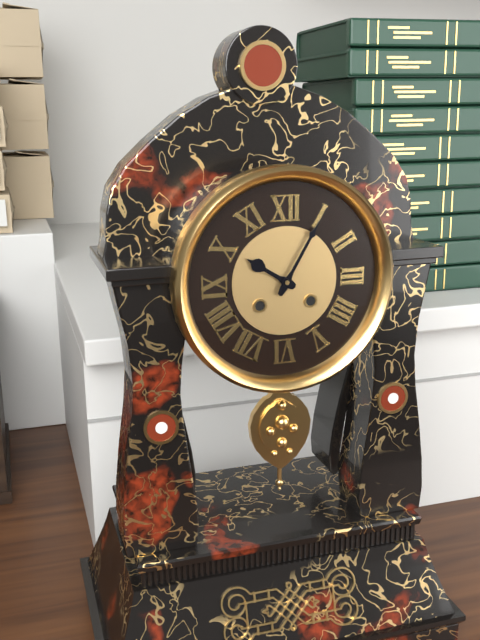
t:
10 h 05 min
